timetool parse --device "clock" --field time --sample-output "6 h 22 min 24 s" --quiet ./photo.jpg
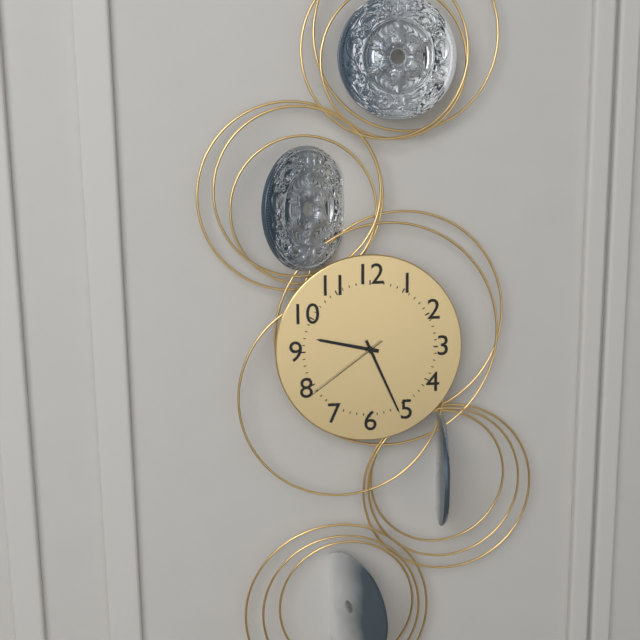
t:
9 h 26 min 39 s
